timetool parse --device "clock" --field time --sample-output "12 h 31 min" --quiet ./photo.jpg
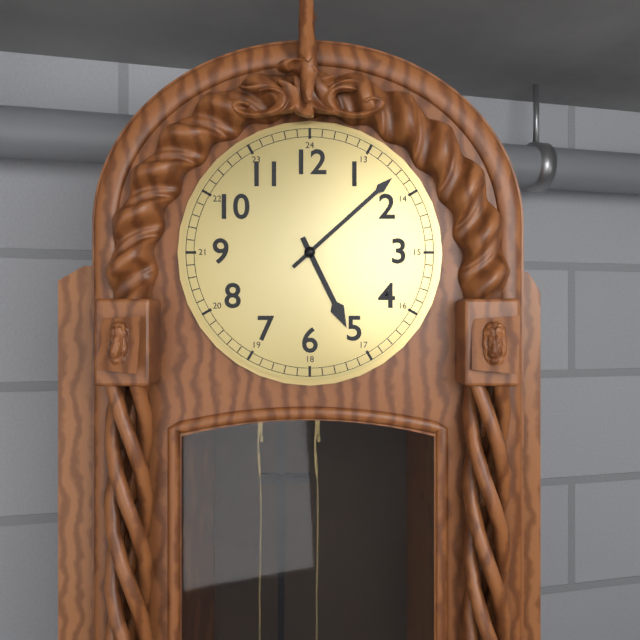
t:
5 h 08 min
